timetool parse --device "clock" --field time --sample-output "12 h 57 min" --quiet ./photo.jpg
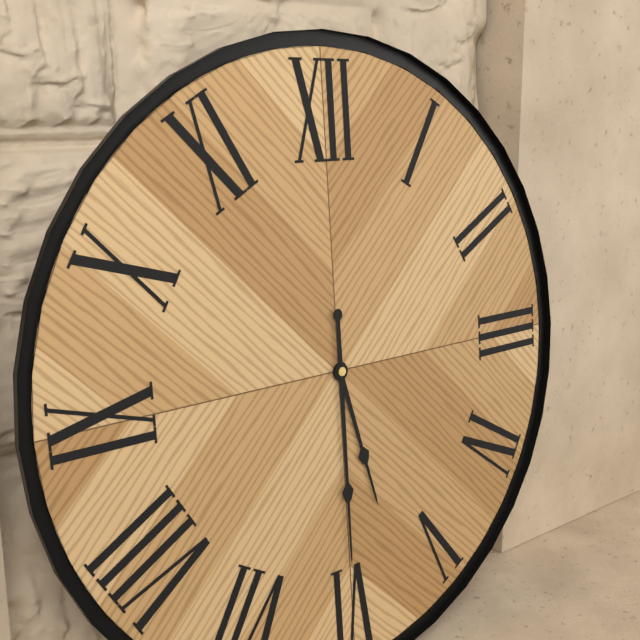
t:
5 h 30 min
